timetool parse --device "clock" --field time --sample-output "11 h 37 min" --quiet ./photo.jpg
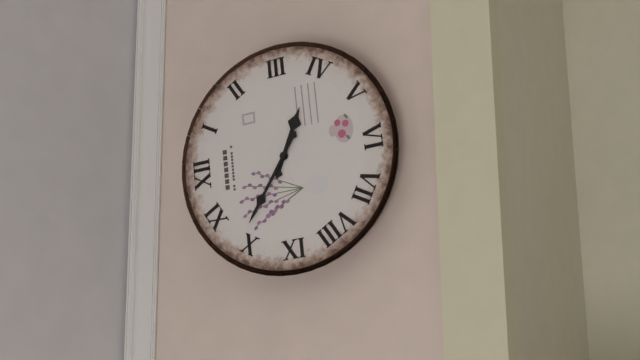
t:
3 h 51 min
